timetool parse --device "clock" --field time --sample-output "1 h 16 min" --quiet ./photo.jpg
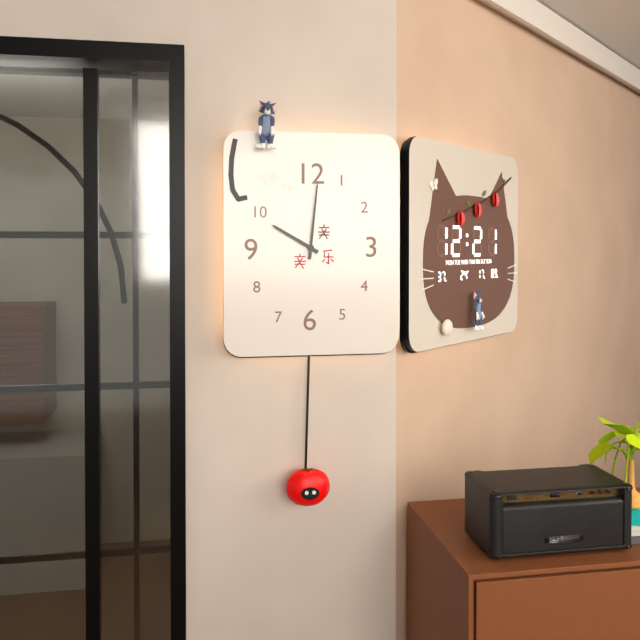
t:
10 h 01 min
